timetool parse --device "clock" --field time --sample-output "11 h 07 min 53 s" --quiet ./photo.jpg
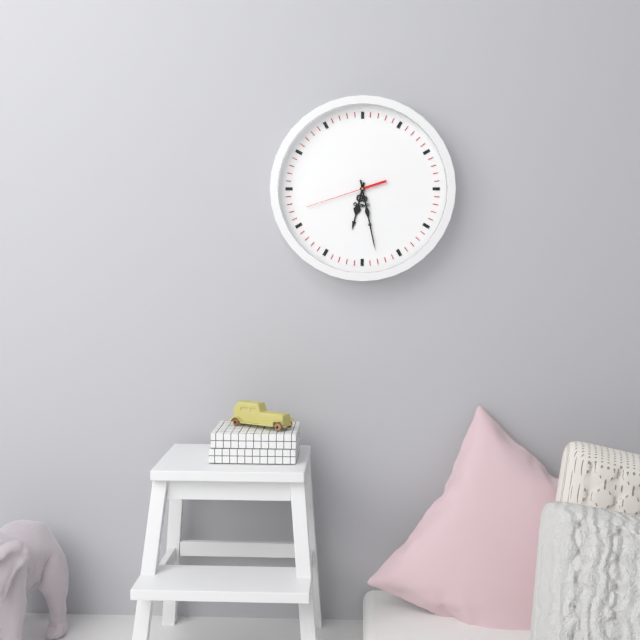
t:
6 h 28 min 42 s
